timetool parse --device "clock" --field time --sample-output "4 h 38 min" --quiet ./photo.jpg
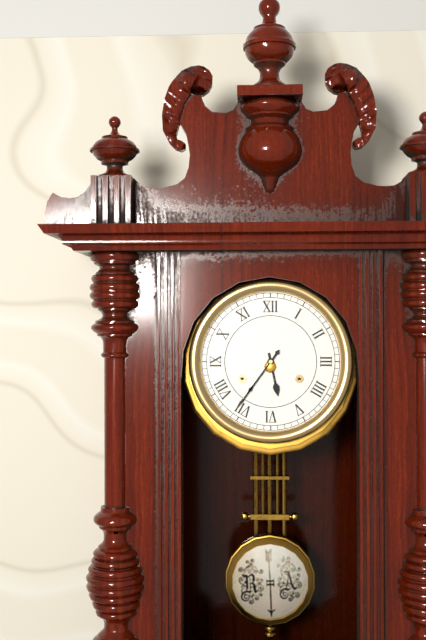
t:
5 h 36 min
